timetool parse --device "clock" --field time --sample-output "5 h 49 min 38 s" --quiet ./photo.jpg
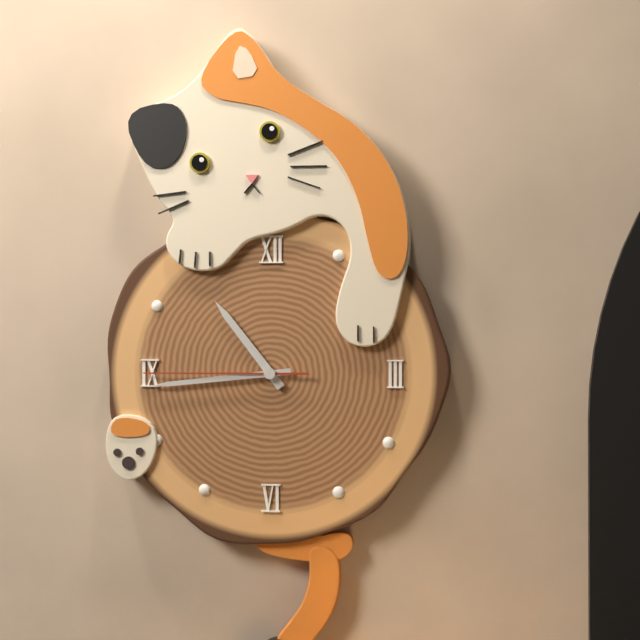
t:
10 h 44 min 45 s
